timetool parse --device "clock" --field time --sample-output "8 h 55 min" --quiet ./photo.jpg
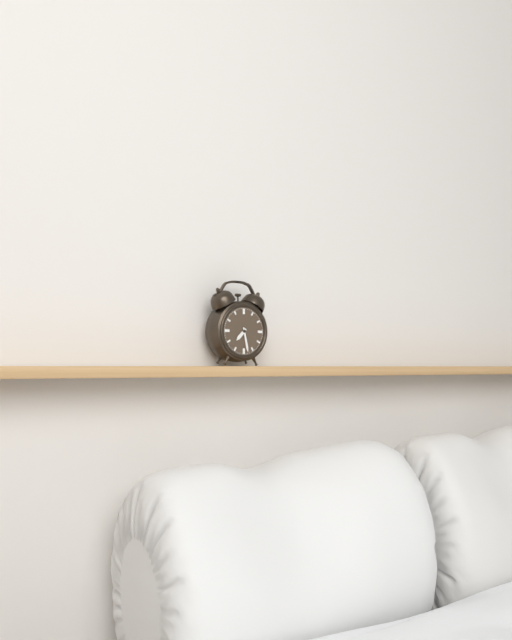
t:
7 h 28 min
